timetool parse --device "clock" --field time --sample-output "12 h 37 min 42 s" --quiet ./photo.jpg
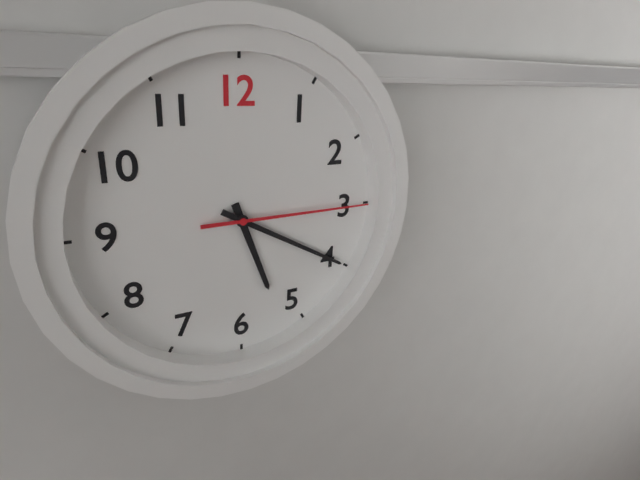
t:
5 h 20 min 15 s
